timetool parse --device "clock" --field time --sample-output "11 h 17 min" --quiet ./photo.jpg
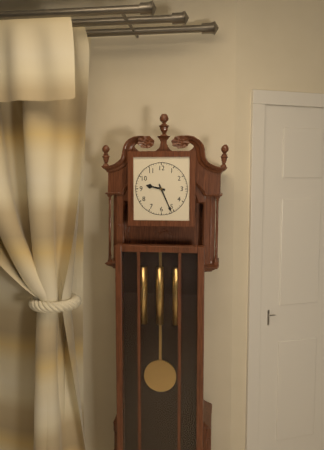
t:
9 h 26 min
